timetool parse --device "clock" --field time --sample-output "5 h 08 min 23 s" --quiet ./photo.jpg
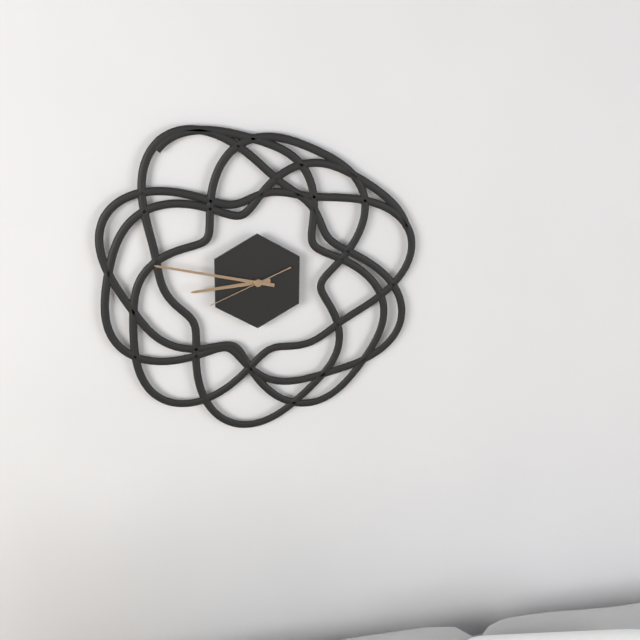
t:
8 h 47 min 41 s
